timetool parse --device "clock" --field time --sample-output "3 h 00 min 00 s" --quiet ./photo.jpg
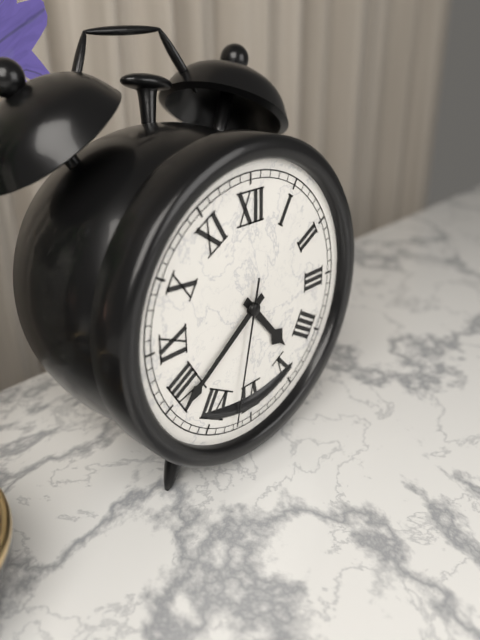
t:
4 h 39 min 32 s
